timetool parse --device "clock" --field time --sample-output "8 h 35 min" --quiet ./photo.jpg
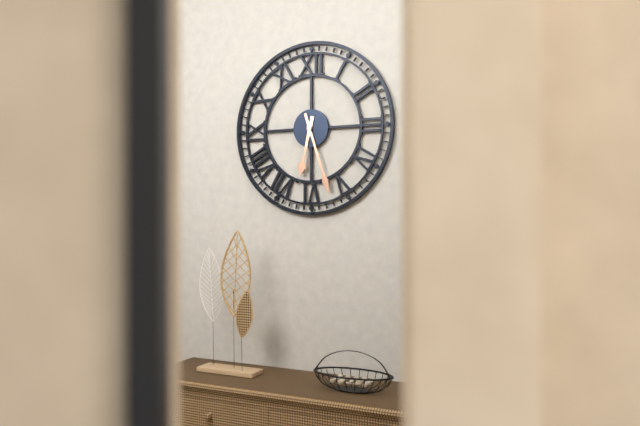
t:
6 h 27 min
